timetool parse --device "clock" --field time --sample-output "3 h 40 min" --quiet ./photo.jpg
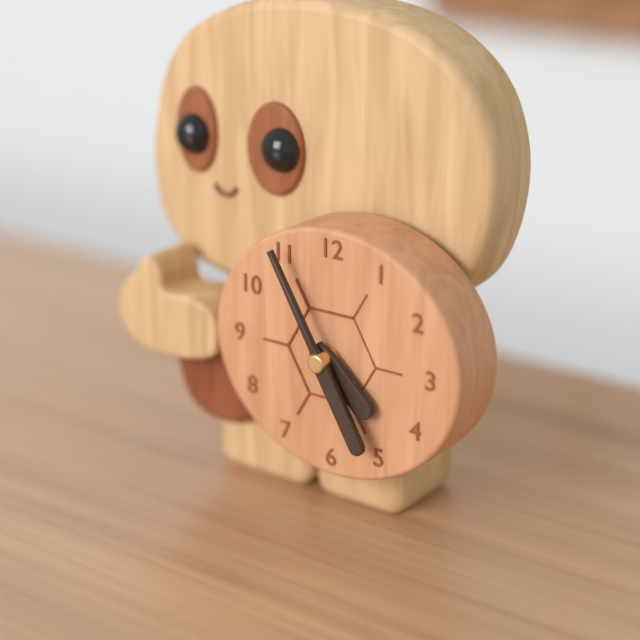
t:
4 h 25 min
